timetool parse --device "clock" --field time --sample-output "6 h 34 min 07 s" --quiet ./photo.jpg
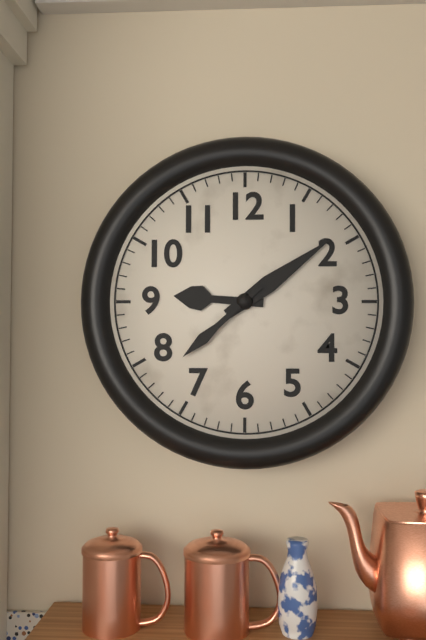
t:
9 h 09 min 38 s
